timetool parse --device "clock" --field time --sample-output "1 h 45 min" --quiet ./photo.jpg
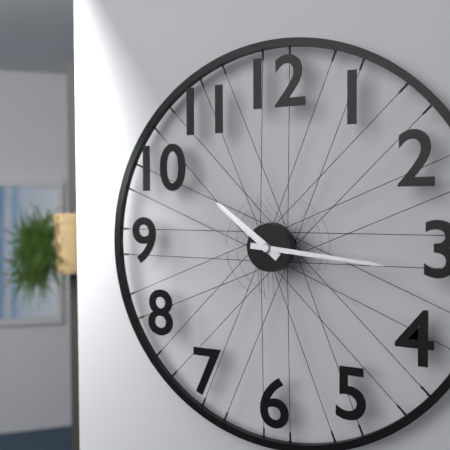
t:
10 h 16 min
